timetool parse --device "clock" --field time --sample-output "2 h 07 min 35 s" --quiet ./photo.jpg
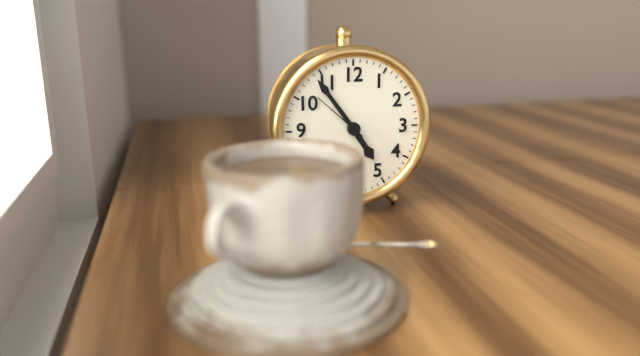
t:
4 h 54 min 52 s
